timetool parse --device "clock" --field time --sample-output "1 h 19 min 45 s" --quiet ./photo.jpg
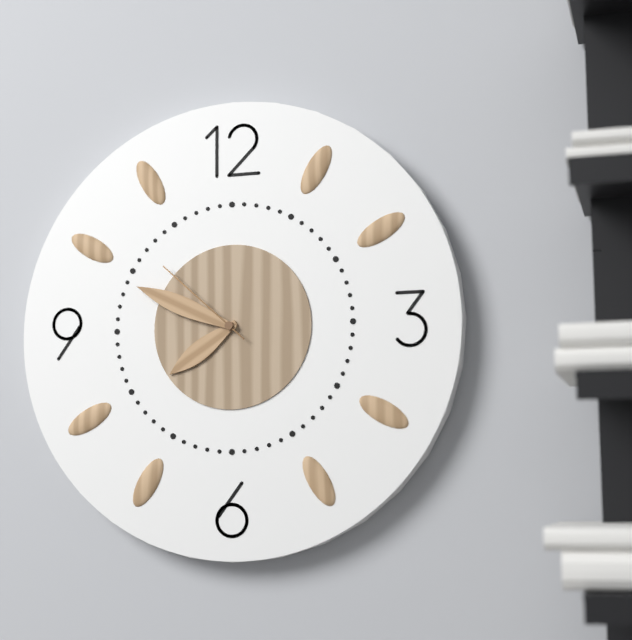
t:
7 h 49 min 52 s
